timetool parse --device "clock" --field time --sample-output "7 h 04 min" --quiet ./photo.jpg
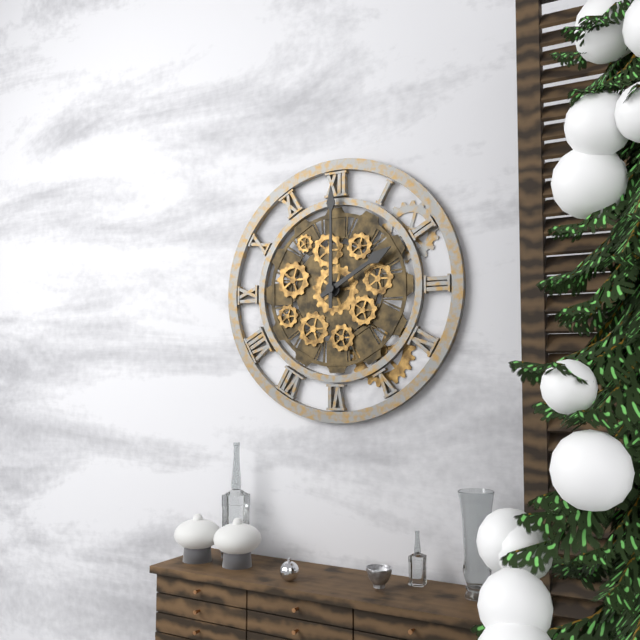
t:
2 h 00 min
